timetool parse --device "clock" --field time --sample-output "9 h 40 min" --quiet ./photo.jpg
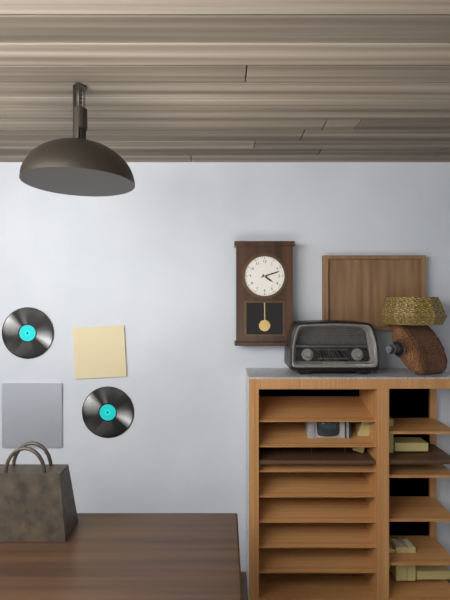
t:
4 h 12 min
